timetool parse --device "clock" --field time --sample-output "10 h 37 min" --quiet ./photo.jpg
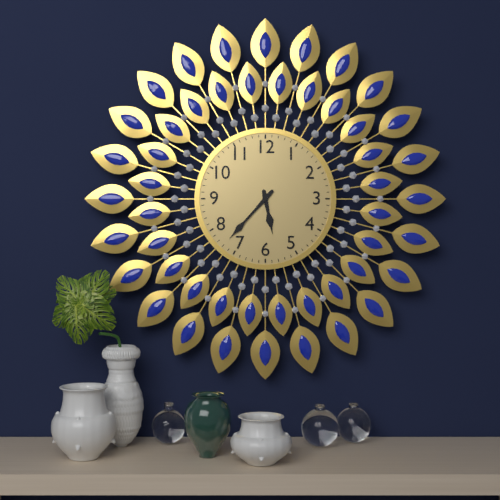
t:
5 h 37 min
